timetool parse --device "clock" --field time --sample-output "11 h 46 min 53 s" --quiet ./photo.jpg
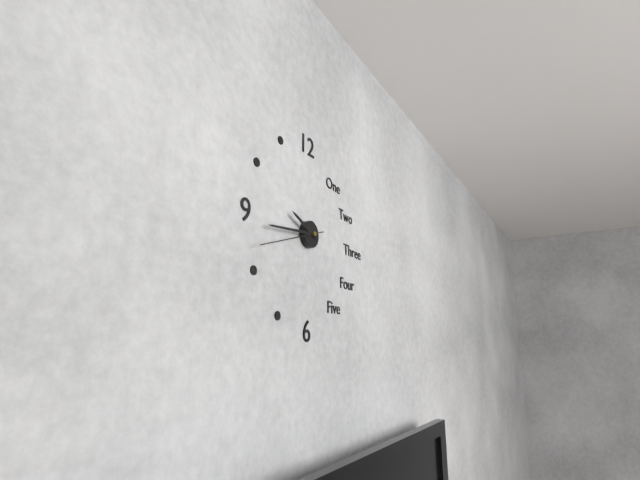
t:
9 h 44 min 42 s
